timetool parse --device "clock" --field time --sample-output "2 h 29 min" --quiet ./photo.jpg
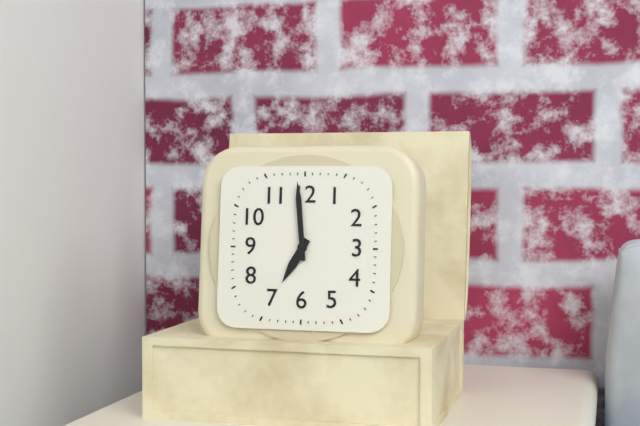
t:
6 h 59 min
